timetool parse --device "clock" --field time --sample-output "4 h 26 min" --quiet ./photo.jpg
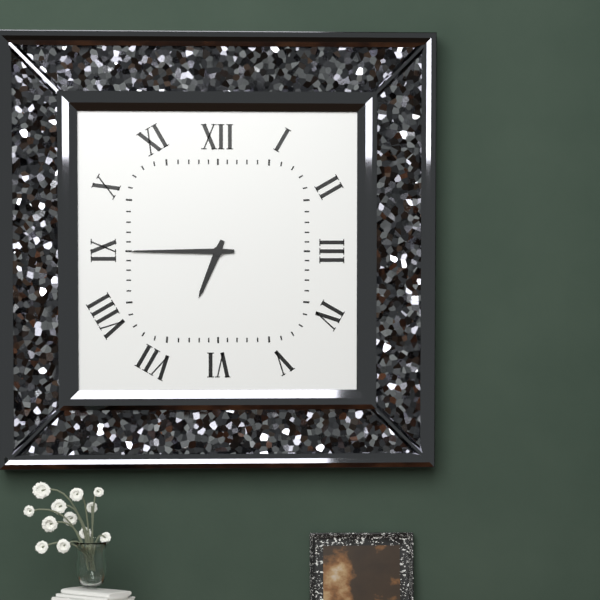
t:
6 h 45 min
